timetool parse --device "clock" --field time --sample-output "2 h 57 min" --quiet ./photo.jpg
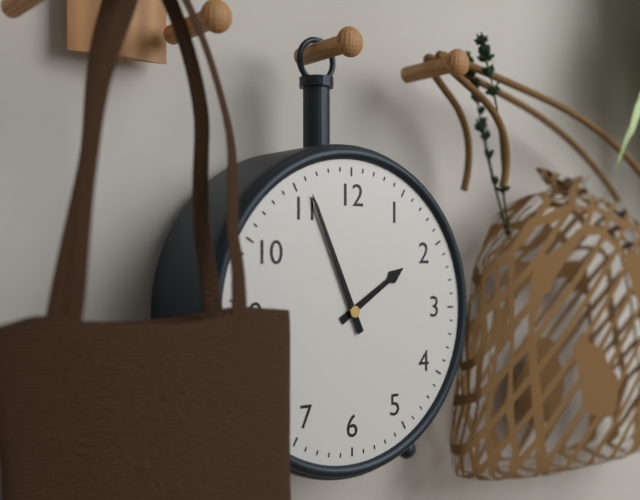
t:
1 h 56 min
